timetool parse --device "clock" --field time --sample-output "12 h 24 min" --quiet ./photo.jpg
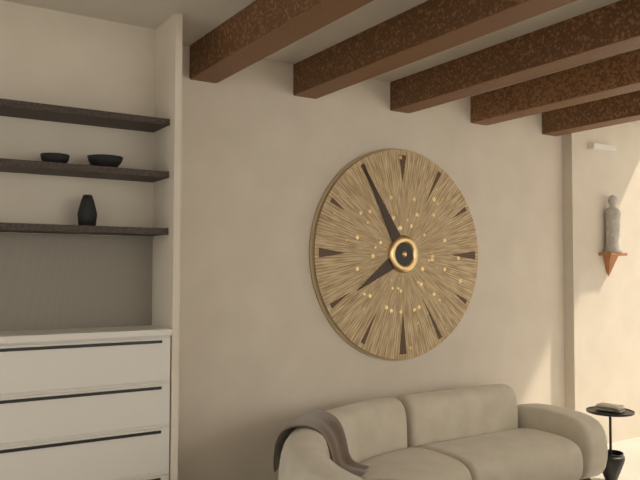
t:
7 h 55 min
